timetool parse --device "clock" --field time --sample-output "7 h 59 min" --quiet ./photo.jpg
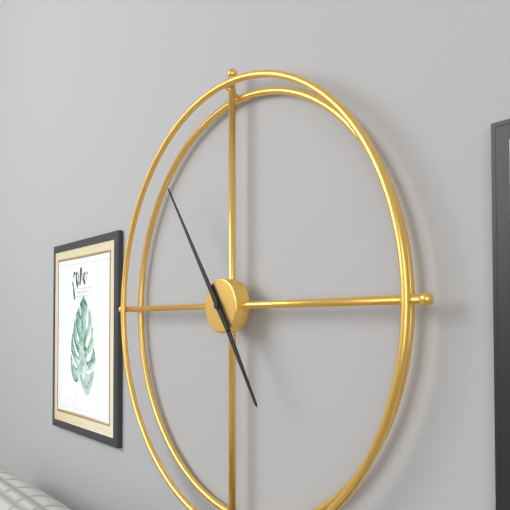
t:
4 h 54 min
